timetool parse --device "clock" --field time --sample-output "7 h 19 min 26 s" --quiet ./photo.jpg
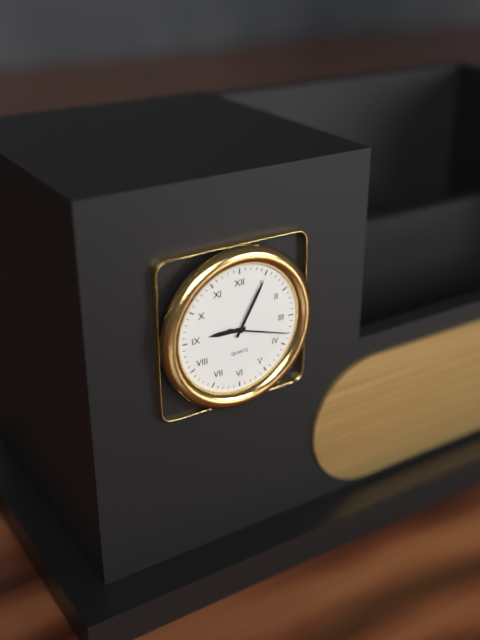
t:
9 h 05 min 18 s
